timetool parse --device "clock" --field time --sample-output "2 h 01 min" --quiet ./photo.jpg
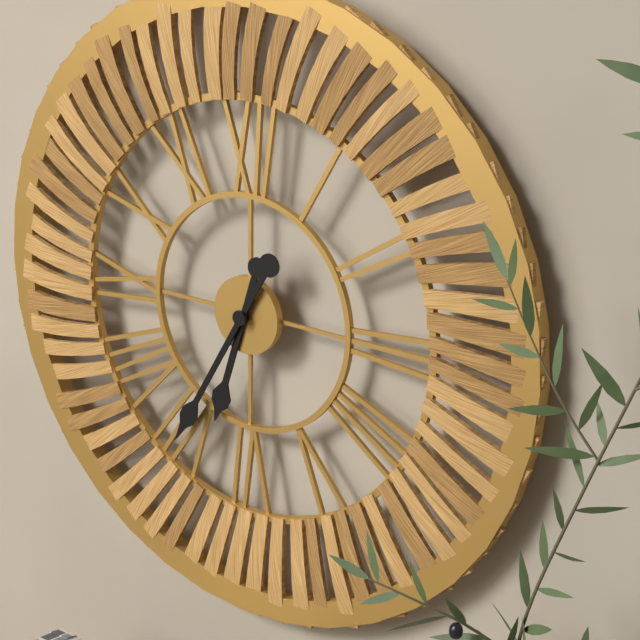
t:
6 h 35 min
